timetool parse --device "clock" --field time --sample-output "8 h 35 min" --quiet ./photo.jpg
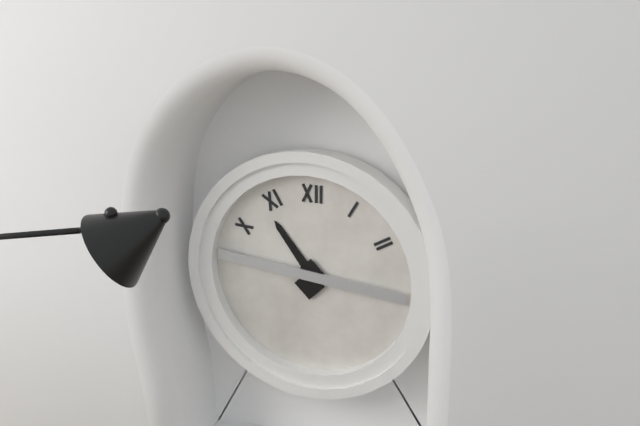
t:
10 h 46 min
